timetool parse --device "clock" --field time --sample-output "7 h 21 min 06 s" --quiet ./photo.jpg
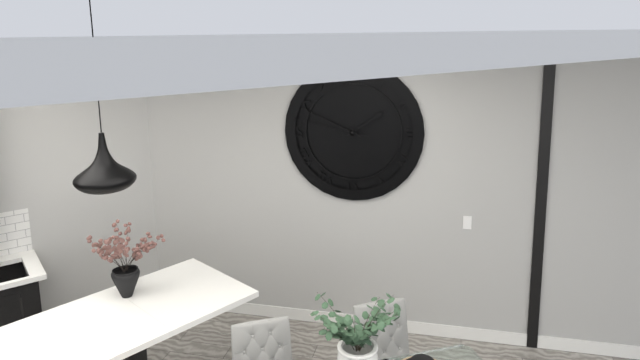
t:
1 h 49 min 47 s
